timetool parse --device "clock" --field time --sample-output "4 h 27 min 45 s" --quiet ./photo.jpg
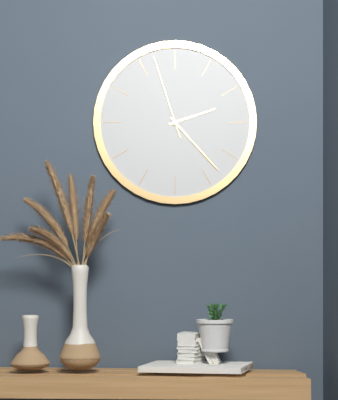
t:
2 h 23 min 57 s
